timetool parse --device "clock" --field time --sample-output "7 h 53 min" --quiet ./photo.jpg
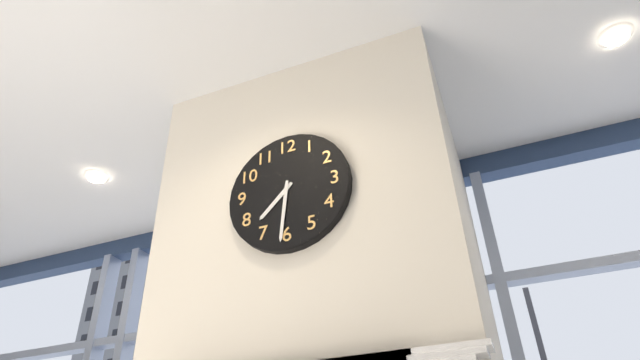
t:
7 h 31 min
